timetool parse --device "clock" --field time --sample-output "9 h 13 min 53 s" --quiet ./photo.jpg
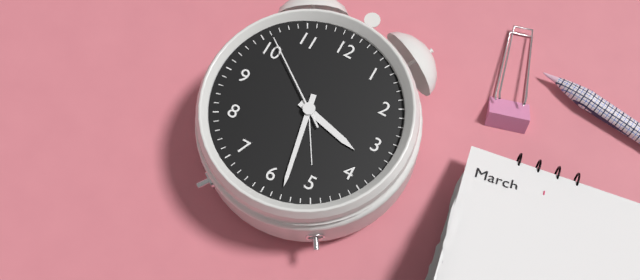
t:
3 h 28 min 51 s
